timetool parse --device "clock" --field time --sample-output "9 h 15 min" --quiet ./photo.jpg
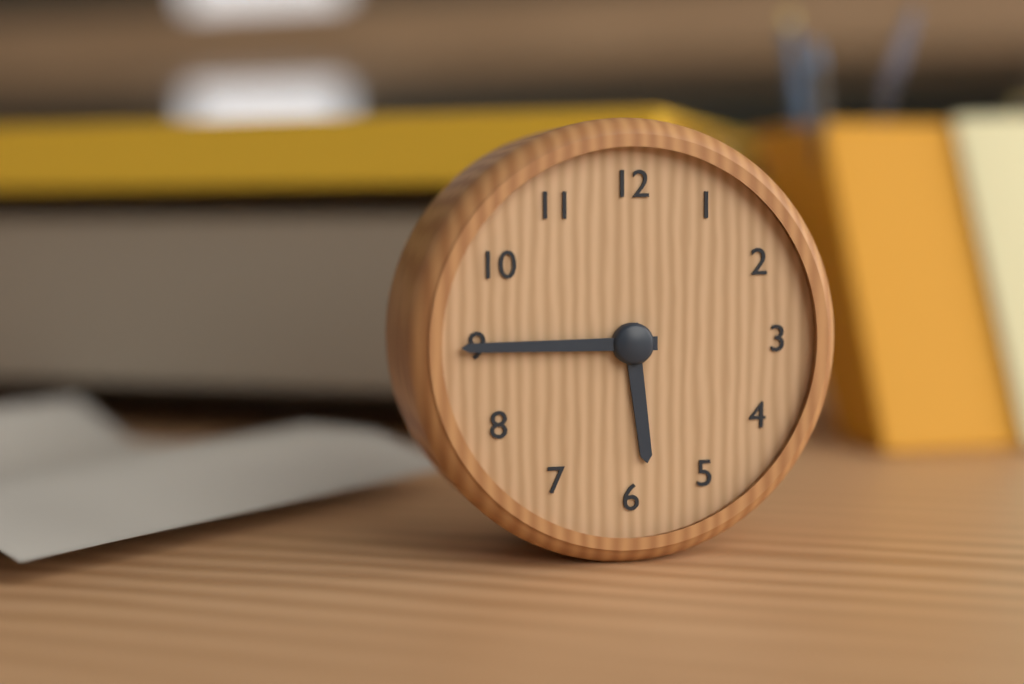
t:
5 h 45 min
